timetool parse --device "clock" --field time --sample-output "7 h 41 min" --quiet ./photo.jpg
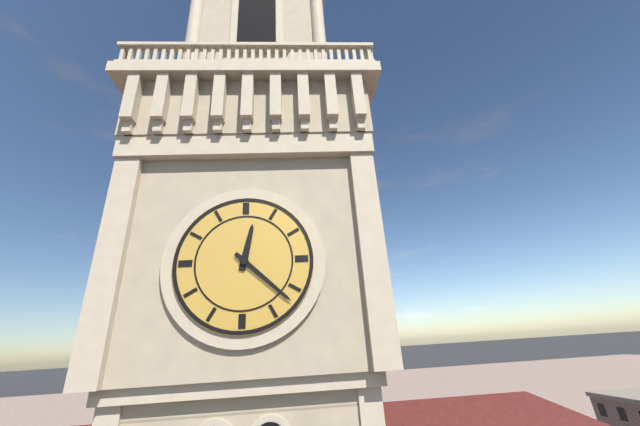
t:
12 h 22 min
